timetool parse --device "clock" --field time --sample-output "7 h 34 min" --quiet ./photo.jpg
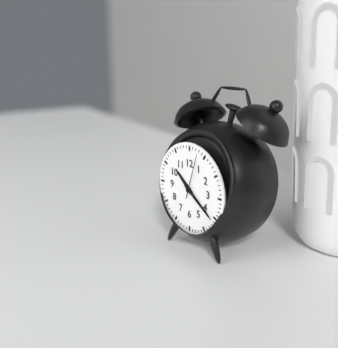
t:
10 h 21 min
